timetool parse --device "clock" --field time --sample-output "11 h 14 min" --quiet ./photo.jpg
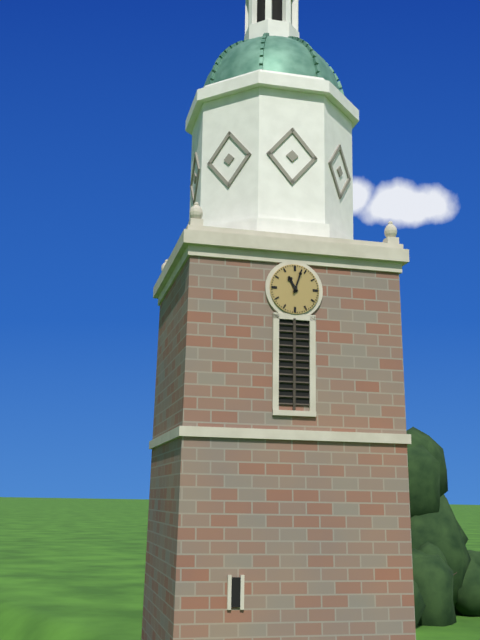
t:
11 h 03 min
